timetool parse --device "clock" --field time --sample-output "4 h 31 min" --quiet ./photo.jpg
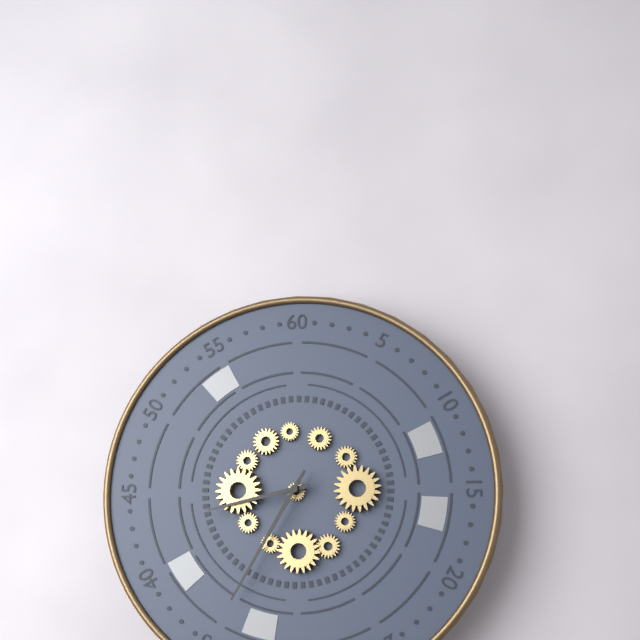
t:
8 h 35 min
